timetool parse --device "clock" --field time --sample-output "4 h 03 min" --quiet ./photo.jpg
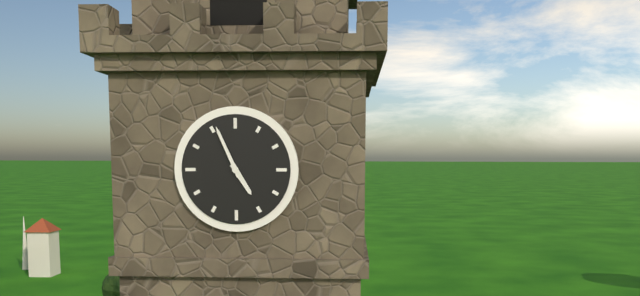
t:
4 h 56 min
